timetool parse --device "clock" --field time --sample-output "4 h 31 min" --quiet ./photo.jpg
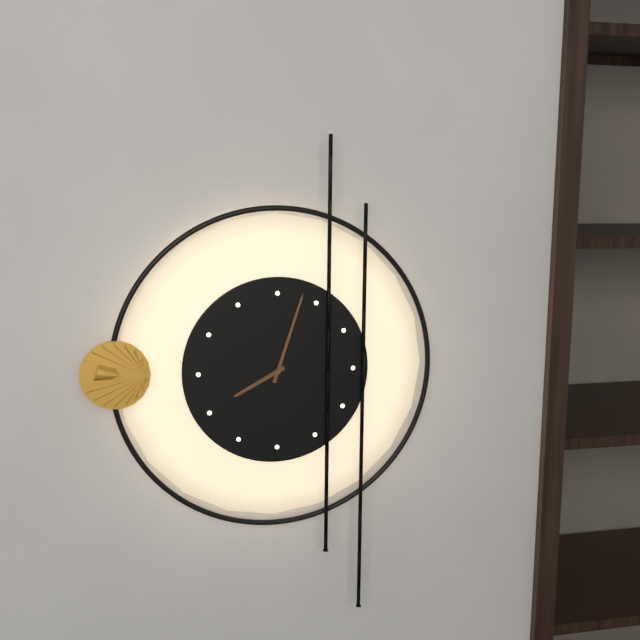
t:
8 h 03 min
